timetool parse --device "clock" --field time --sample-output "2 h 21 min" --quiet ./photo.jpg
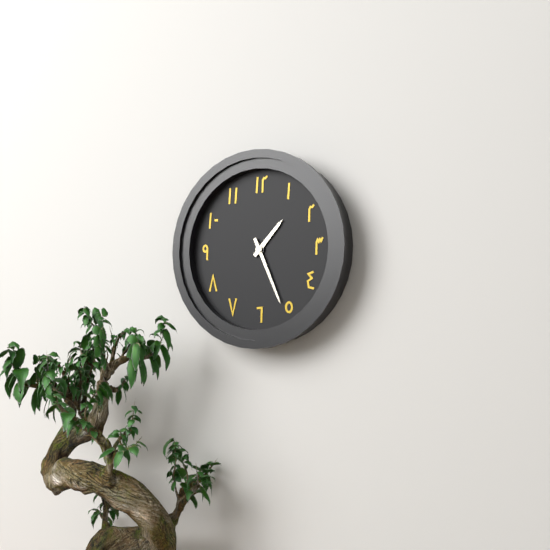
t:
1 h 26 min
